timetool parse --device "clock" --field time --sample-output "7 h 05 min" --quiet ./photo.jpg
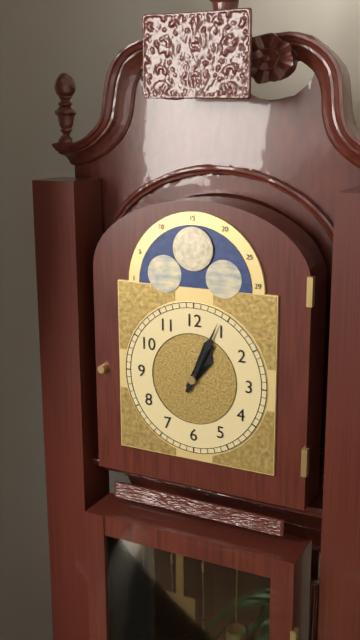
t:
1 h 04 min
